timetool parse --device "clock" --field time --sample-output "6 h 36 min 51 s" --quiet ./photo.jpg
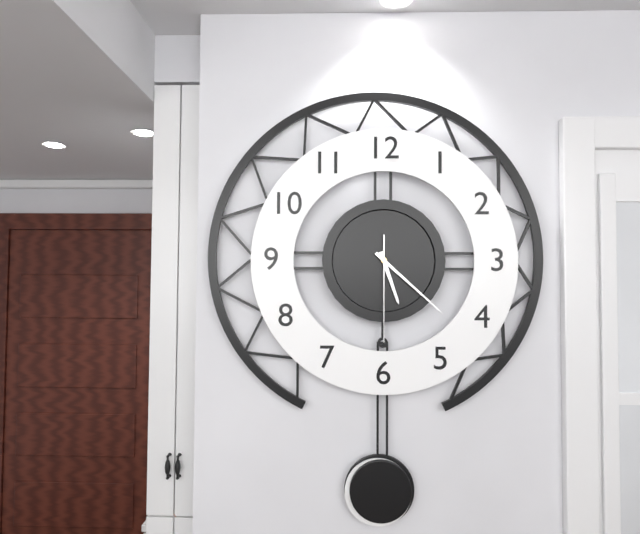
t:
5 h 22 min 30 s
